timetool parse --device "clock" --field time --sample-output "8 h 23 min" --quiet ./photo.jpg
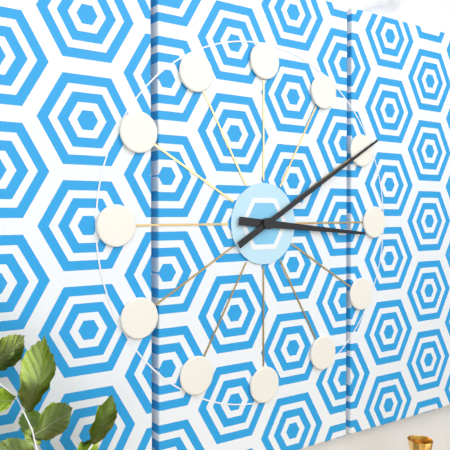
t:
3 h 10 min
